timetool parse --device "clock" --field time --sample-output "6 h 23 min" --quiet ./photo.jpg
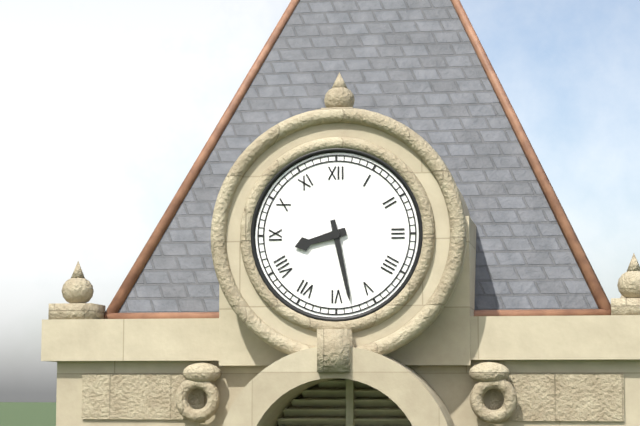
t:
8 h 28 min
